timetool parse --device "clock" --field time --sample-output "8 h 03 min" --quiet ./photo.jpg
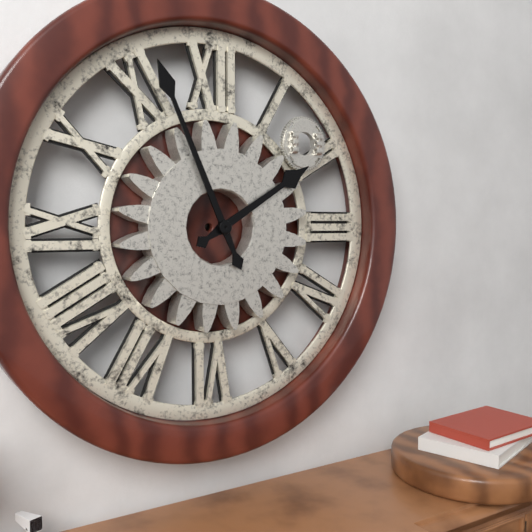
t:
1 h 56 min
